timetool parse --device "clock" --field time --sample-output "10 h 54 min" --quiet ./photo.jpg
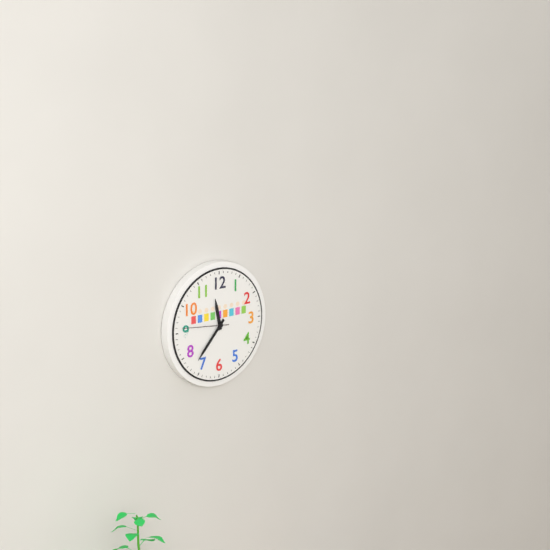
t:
11 h 37 min
